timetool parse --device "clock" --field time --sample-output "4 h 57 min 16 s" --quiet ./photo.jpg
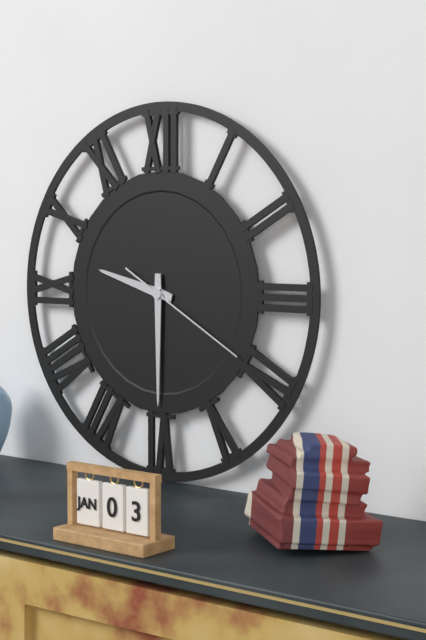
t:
9 h 30 min 20 s
